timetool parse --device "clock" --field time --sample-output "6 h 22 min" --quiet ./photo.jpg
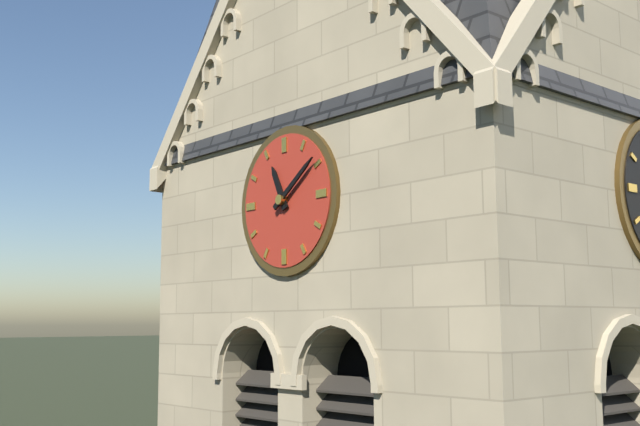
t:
11 h 09 min
